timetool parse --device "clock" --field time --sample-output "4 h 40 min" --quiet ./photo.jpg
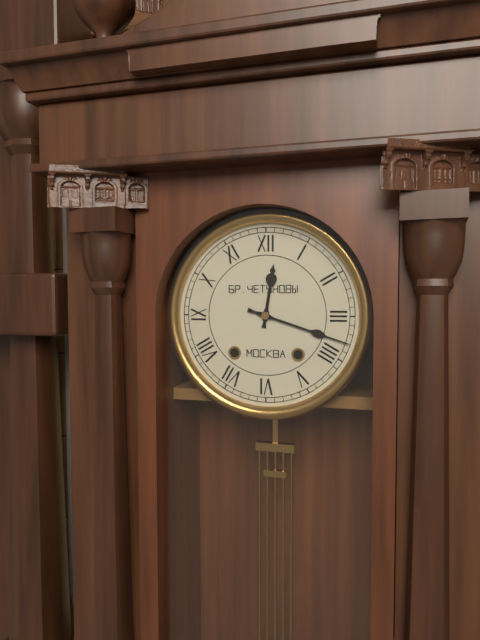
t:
12 h 18 min
